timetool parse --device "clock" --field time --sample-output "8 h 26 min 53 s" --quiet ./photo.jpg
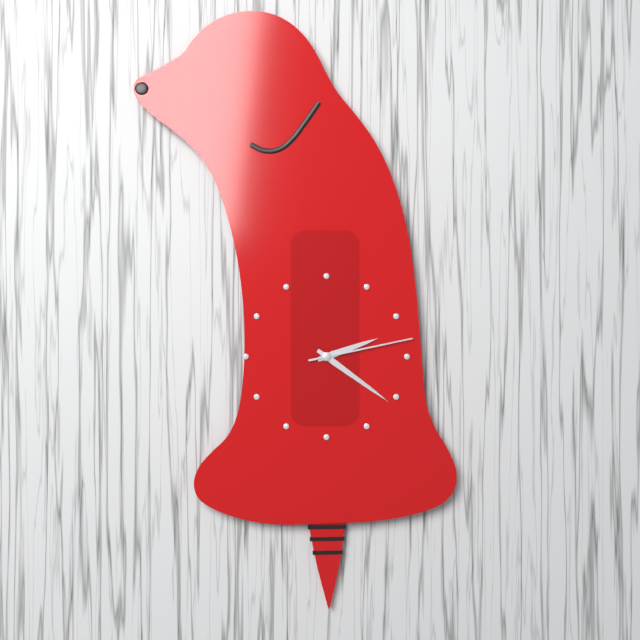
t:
2 h 21 min 13 s
